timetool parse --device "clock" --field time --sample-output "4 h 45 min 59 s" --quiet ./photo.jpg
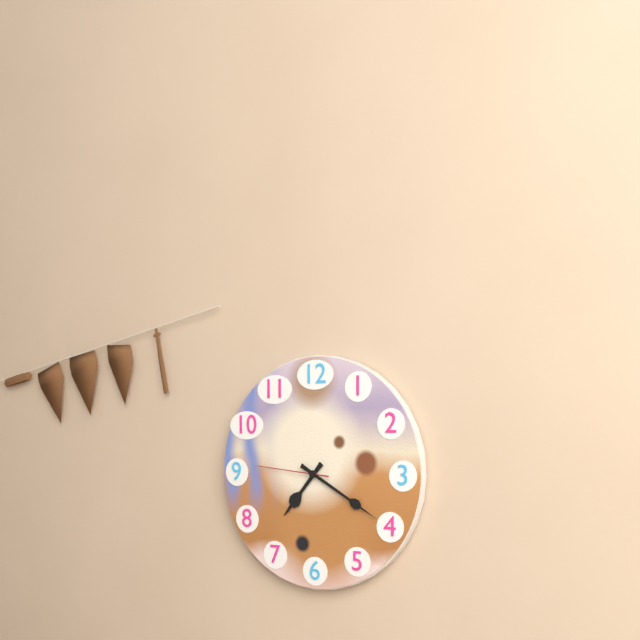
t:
7 h 20 min 46 s
